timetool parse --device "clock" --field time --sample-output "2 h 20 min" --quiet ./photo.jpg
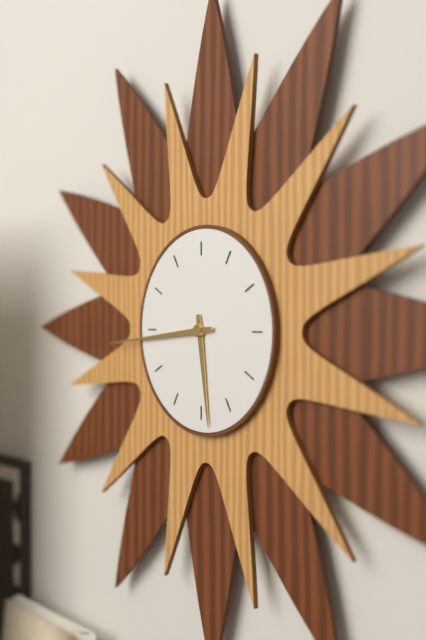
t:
5 h 44 min
